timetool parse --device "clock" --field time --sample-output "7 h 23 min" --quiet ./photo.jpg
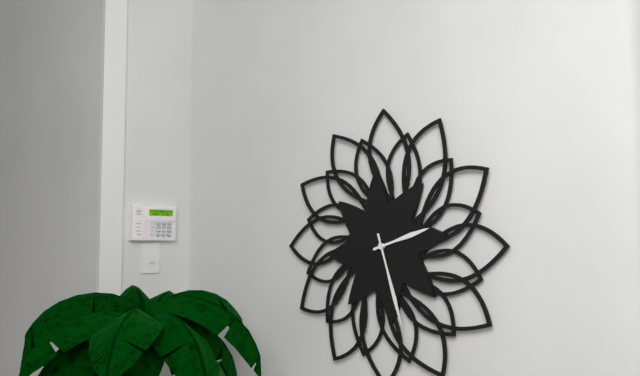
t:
2 h 27 min
